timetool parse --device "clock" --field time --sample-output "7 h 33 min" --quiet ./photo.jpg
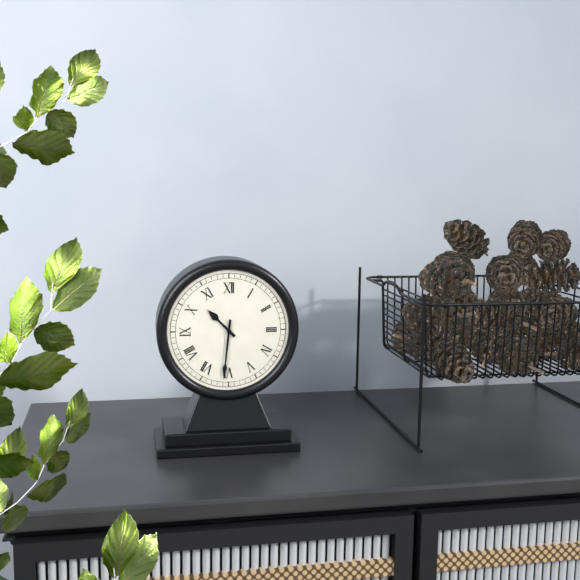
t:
10 h 31 min
